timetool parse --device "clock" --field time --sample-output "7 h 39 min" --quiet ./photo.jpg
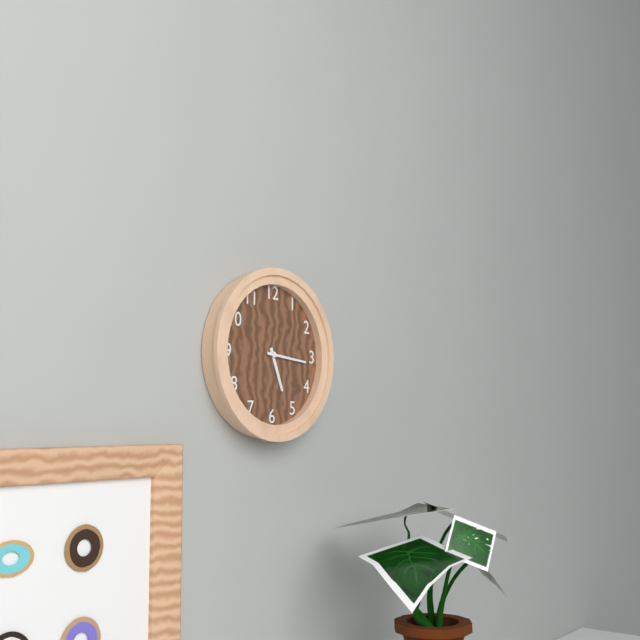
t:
5 h 16 min
